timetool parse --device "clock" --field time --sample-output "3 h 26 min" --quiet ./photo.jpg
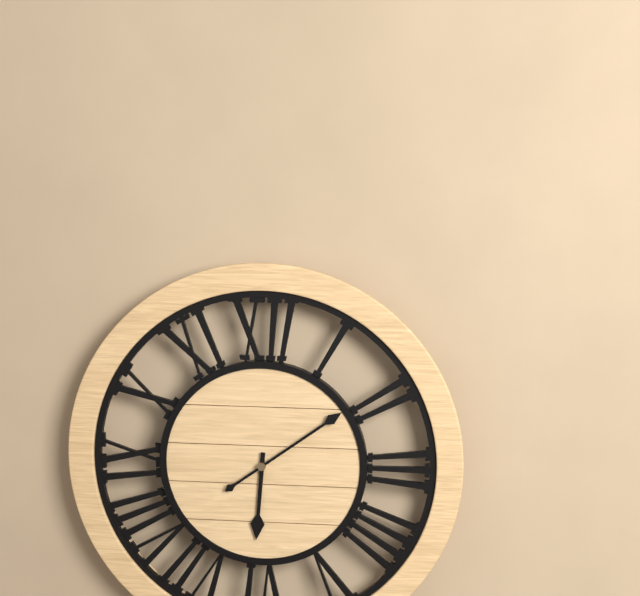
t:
6 h 09 min
